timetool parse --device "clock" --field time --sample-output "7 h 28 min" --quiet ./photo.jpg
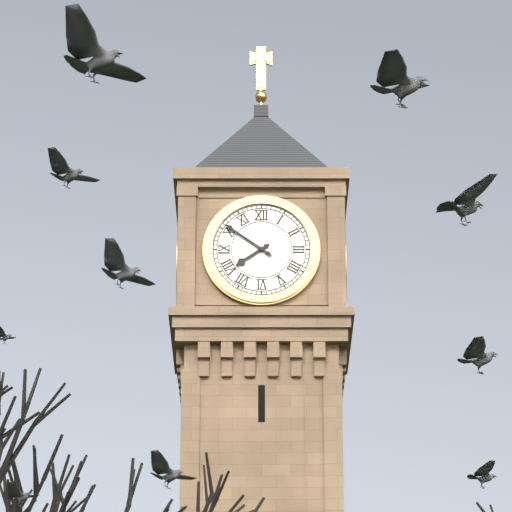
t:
7 h 51 min
